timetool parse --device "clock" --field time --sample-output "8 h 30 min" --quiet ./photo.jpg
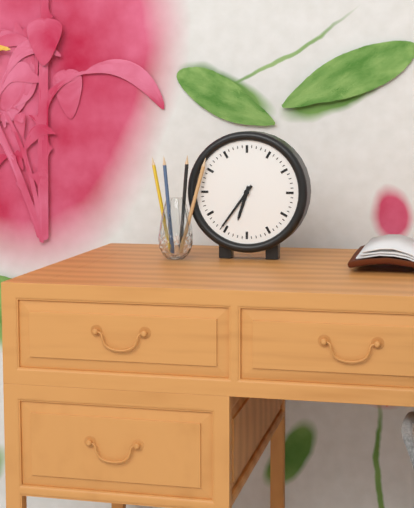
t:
6 h 36 min
